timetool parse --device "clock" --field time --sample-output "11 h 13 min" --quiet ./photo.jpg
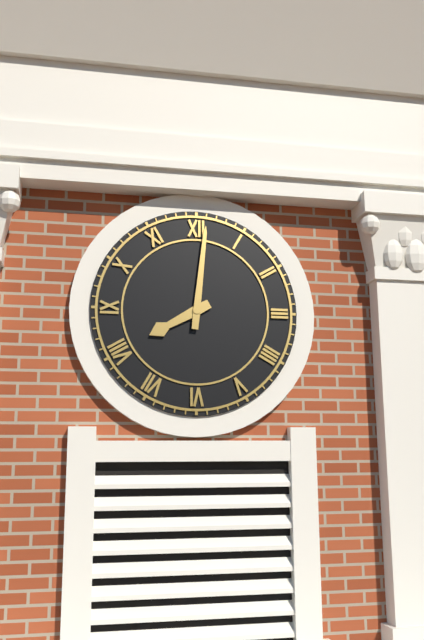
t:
8 h 01 min
